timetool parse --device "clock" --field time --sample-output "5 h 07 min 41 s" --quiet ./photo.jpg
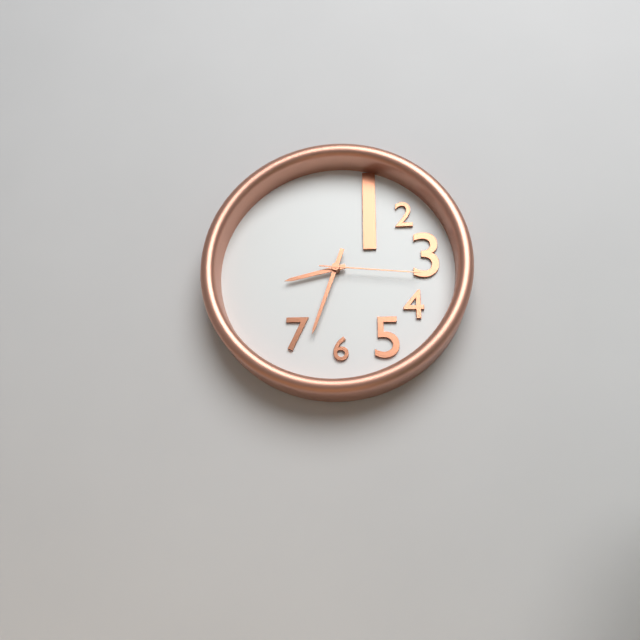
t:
8 h 33 min 16 s
